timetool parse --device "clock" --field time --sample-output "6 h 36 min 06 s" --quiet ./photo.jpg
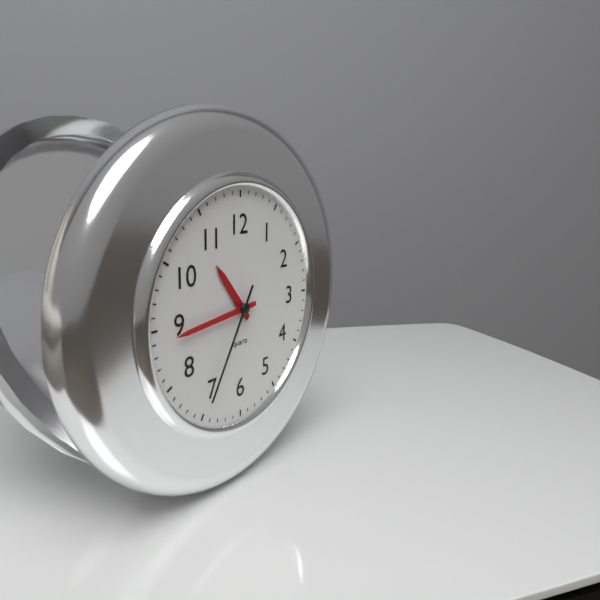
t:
10 h 44 min 35 s
